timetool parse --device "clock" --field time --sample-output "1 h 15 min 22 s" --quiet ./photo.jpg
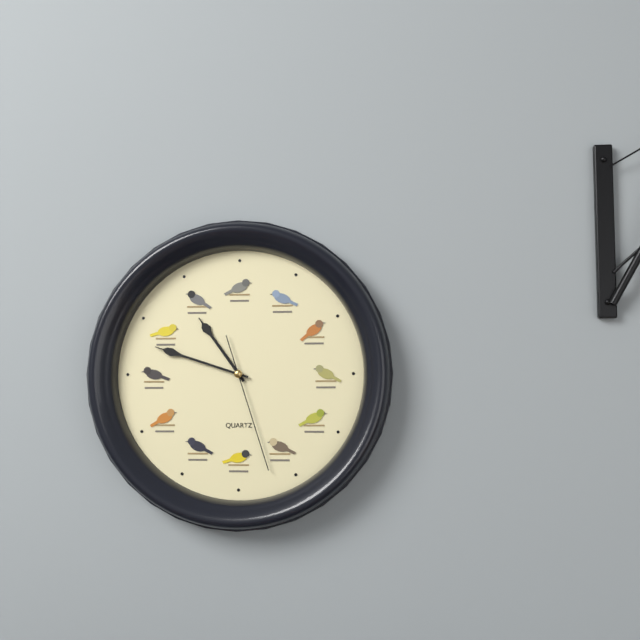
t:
10 h 48 min 27 s
